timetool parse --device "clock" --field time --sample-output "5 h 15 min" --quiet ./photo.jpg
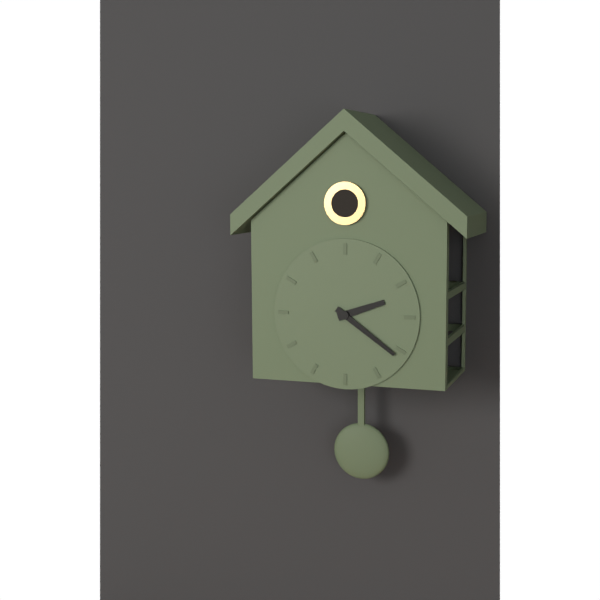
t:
2 h 21 min
